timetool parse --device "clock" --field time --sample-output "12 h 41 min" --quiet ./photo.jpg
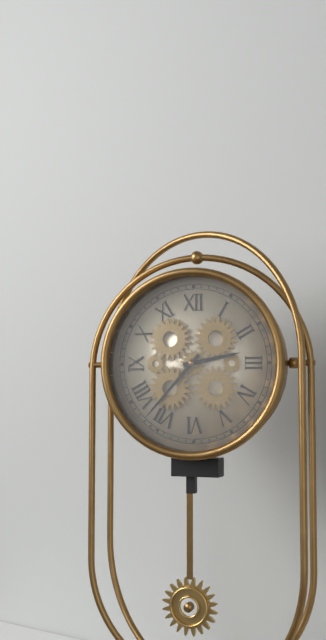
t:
2 h 37 min
